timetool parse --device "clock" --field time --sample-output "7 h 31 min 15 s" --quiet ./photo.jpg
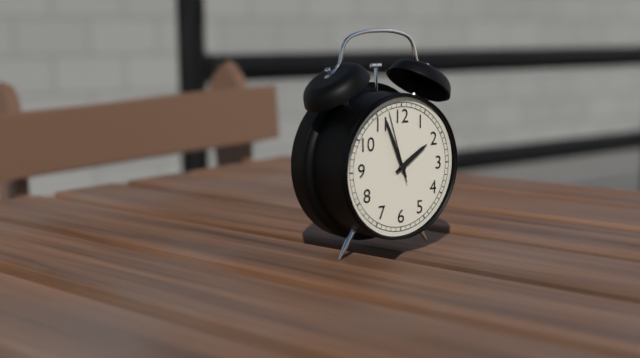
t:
1 h 56 min 57 s
